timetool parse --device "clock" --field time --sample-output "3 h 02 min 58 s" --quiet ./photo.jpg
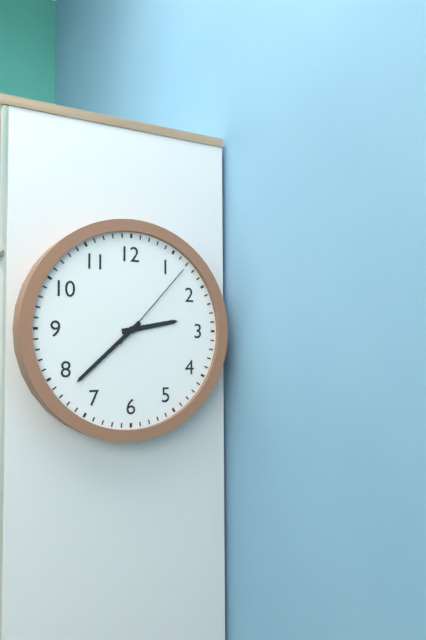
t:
2 h 38 min 07 s
